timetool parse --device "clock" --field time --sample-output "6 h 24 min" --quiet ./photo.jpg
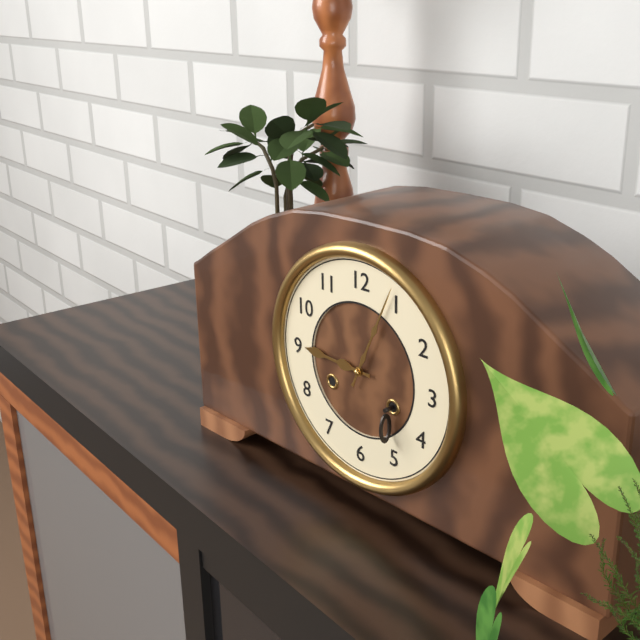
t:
9 h 04 min
